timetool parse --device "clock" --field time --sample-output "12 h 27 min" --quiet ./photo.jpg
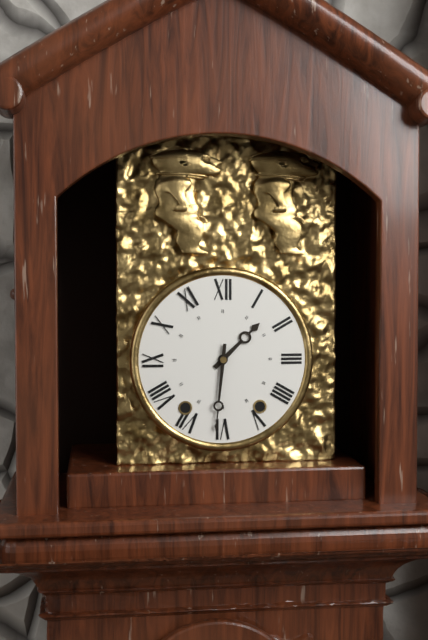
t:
1 h 31 min
